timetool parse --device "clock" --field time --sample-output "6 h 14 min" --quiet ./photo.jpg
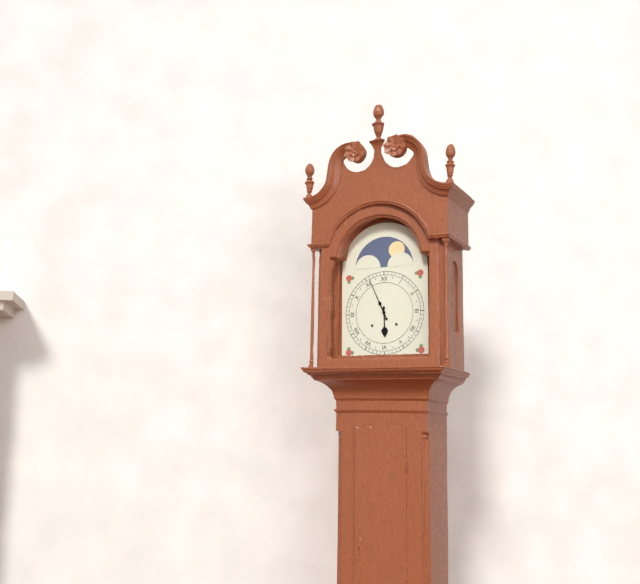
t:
5 h 56 min
